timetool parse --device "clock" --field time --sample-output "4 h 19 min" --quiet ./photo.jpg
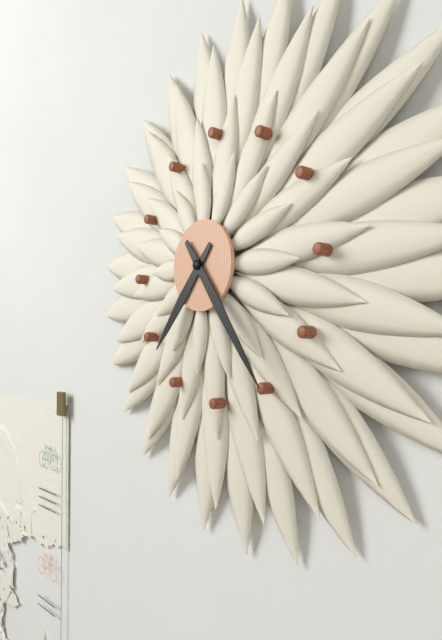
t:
7 h 24 min
